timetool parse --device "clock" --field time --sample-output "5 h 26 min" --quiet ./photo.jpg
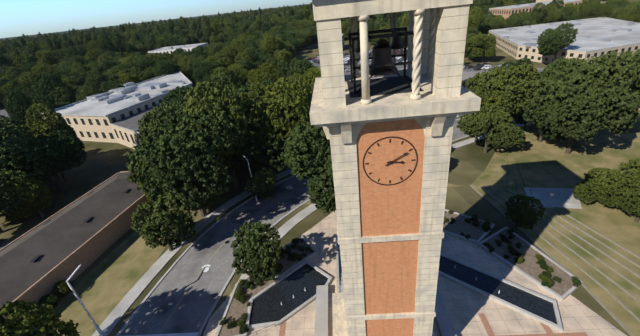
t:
3 h 10 min
